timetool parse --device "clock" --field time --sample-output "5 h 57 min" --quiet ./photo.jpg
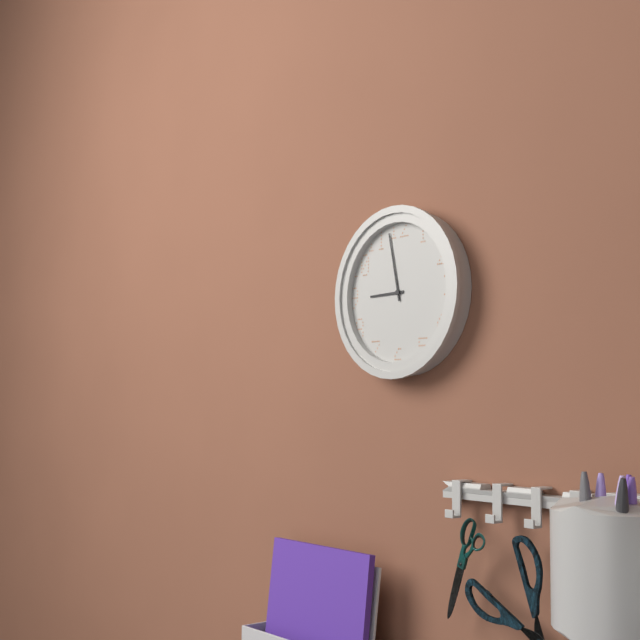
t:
8 h 58 min
